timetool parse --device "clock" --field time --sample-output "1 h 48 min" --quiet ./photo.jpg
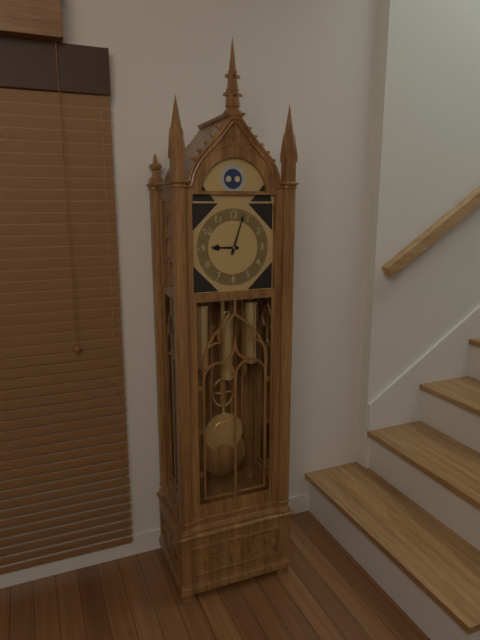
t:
9 h 03 min
